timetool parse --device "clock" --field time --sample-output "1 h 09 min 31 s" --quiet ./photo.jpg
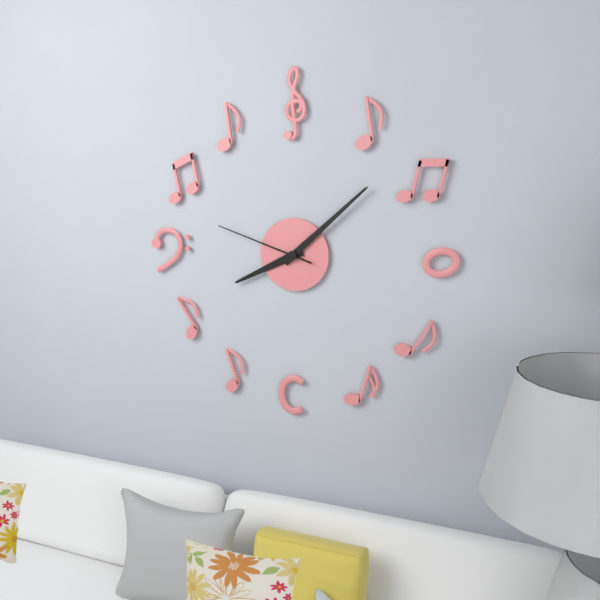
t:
8 h 08 min 48 s
